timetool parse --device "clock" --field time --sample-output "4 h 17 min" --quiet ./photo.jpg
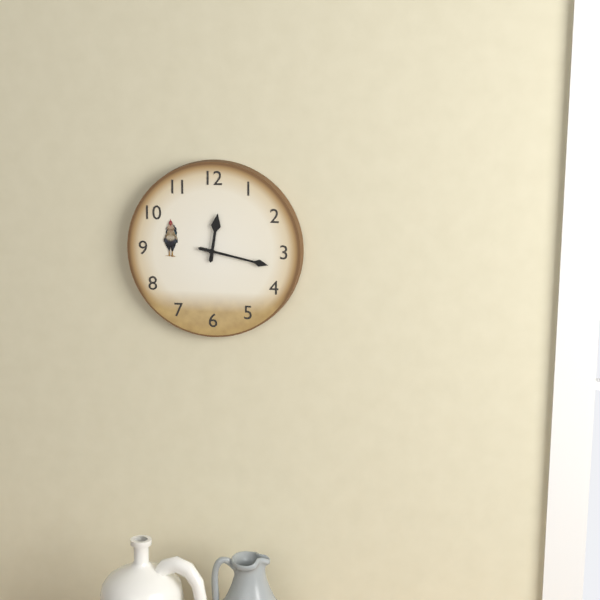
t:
12 h 17 min
